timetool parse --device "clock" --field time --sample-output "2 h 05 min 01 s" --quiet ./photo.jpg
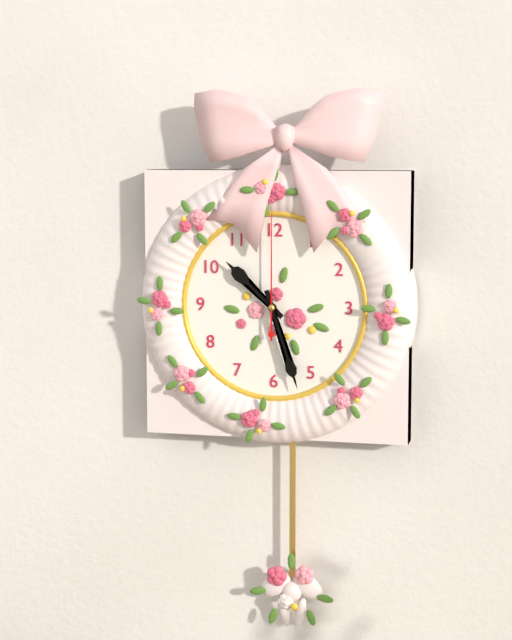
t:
10 h 27 min 00 s
